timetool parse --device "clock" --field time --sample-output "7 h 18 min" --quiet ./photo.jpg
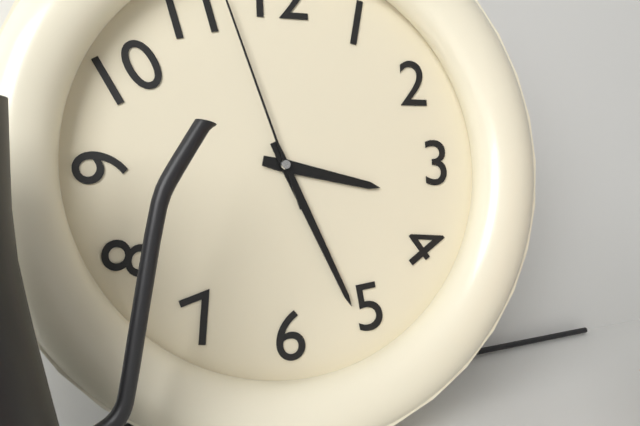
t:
3 h 26 min
